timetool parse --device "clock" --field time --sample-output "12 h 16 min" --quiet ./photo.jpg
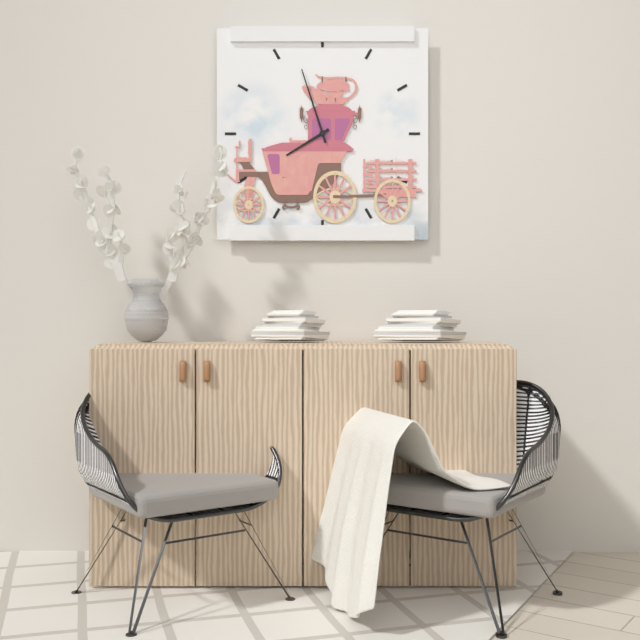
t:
7 h 57 min
